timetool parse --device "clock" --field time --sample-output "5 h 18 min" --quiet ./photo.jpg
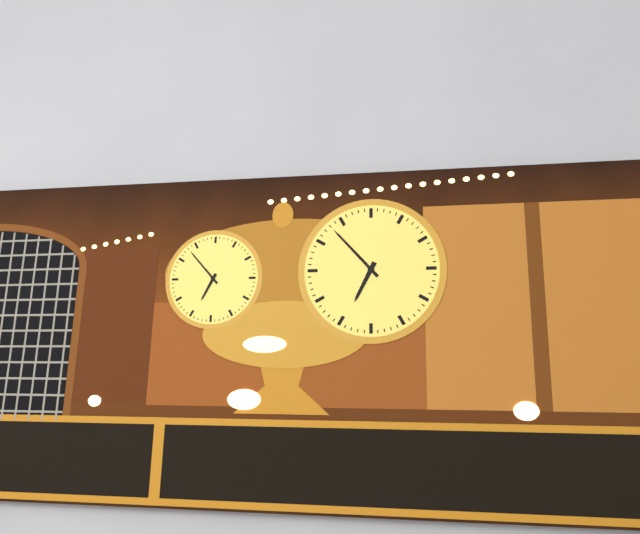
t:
6 h 53 min
